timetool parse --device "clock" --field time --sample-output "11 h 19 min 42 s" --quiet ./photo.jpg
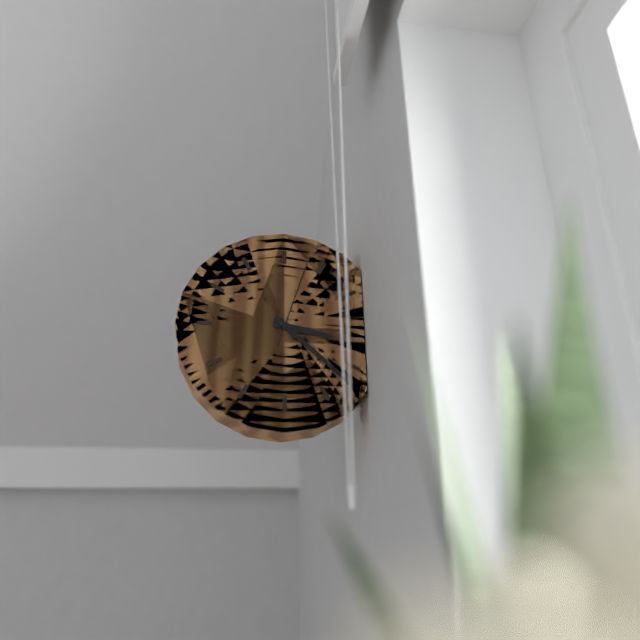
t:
3 h 22 min 03 s
